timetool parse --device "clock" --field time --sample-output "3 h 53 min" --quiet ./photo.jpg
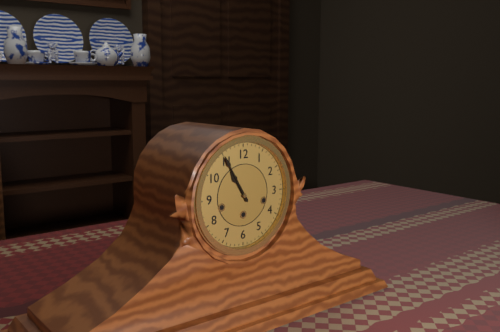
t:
10 h 55 min
